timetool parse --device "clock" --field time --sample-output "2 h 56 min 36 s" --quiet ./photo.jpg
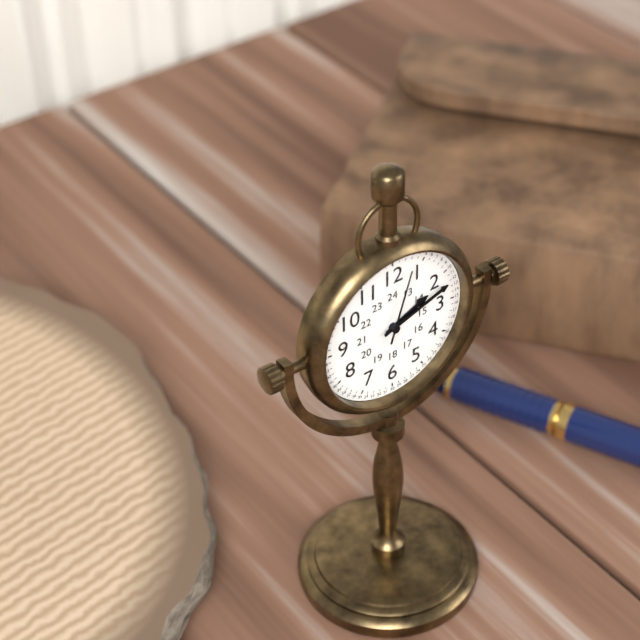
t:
2 h 12 min 03 s
